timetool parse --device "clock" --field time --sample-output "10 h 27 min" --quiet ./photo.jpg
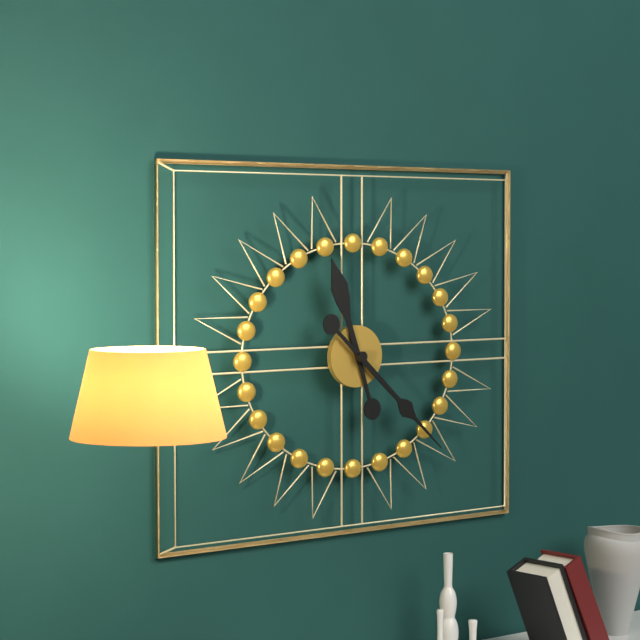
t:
11 h 22 min
